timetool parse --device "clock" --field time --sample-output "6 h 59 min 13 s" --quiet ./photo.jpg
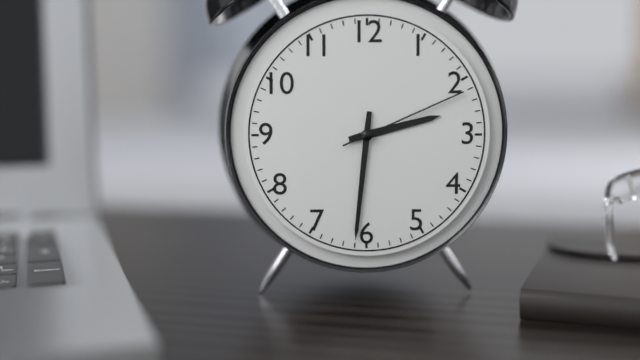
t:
2 h 31 min 11 s
